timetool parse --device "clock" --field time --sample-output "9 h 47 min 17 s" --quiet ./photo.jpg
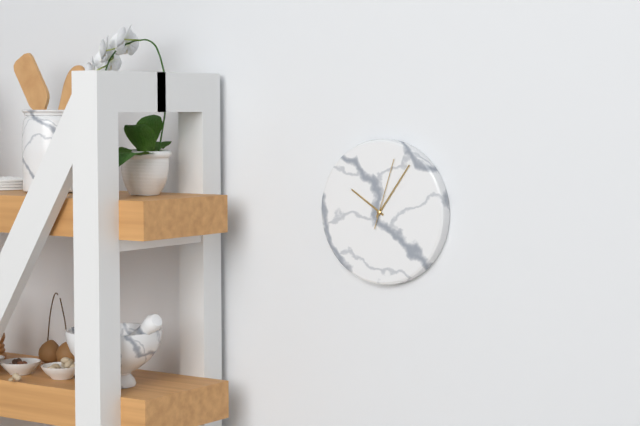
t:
10 h 06 min 03 s
